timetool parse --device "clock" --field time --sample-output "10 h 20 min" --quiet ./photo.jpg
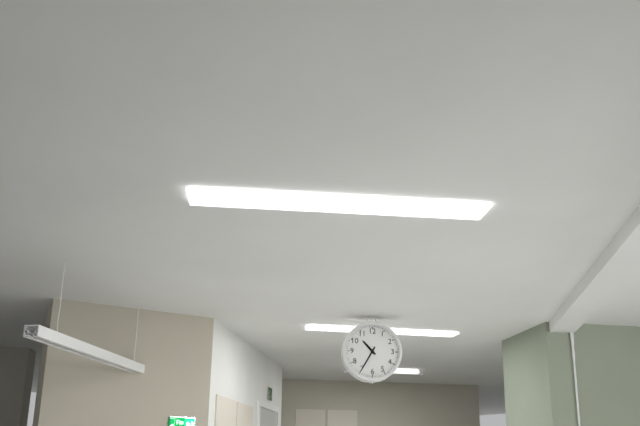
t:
10 h 35 min
